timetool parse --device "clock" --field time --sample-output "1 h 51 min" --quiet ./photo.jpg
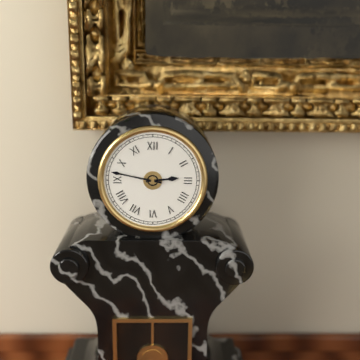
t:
2 h 47 min
